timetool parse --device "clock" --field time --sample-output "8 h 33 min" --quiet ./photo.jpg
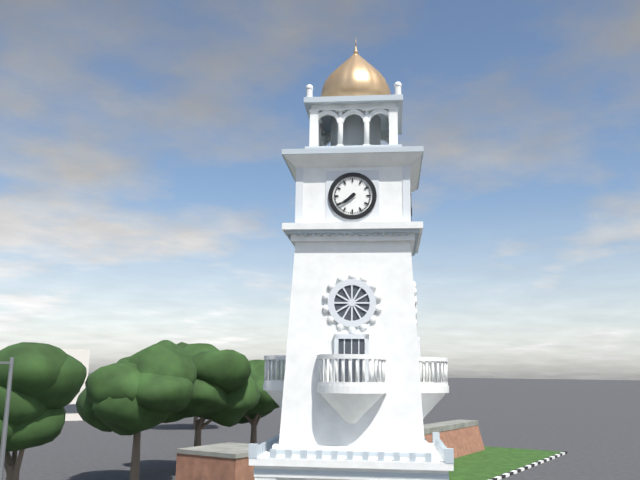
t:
7 h 39 min
